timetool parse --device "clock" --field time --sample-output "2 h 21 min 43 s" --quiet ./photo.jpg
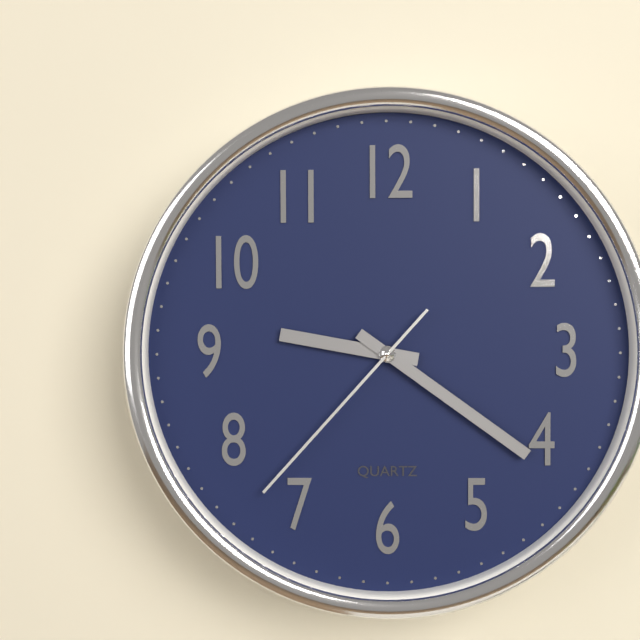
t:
9 h 21 min 37 s
